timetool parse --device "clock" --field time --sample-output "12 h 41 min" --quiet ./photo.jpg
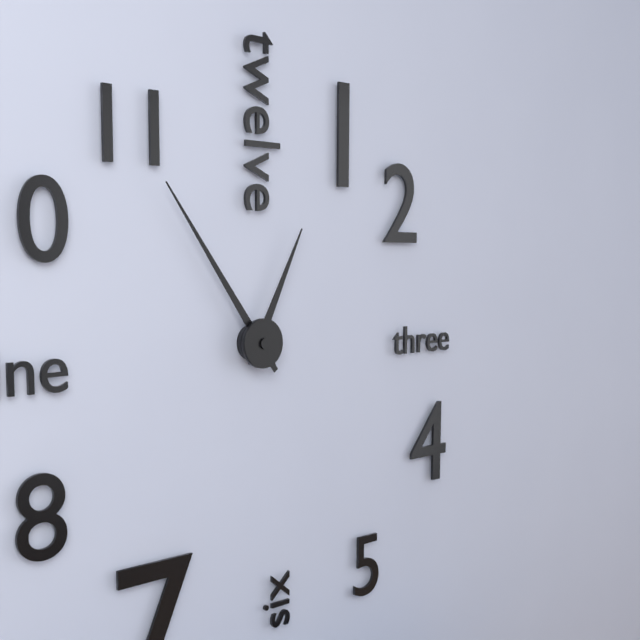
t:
12 h 54 min
